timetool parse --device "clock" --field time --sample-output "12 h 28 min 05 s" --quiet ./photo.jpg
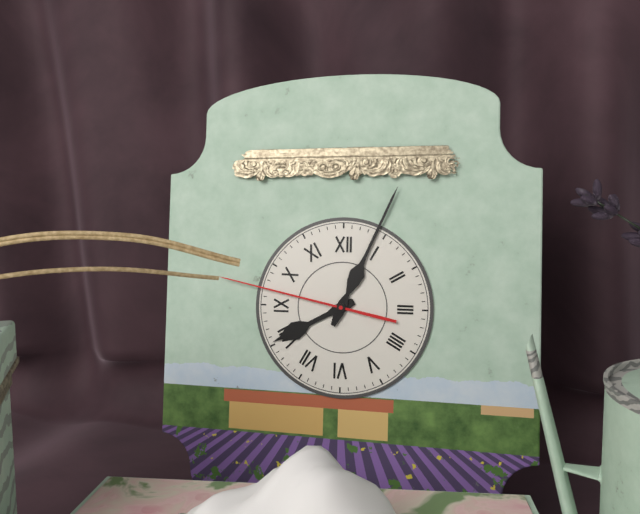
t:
8 h 04 min 47 s
